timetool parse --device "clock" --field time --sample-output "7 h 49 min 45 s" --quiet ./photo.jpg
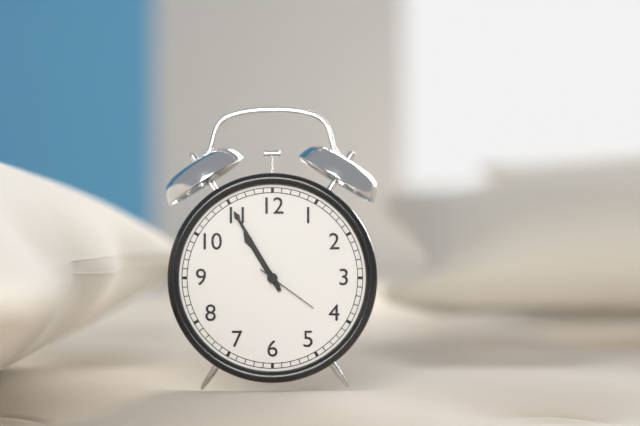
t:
10 h 55 min 21 s
